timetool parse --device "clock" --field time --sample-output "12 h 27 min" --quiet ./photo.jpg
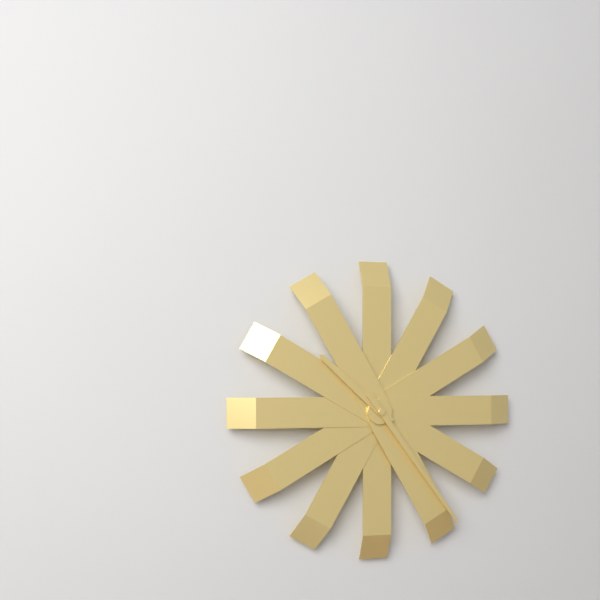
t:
10 h 24 min
